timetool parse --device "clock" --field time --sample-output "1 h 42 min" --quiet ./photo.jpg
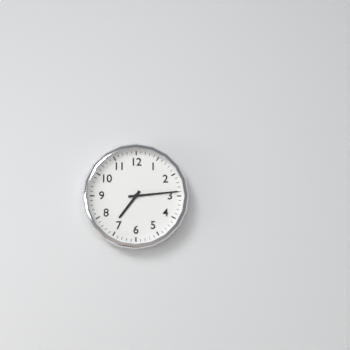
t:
7 h 14 min
